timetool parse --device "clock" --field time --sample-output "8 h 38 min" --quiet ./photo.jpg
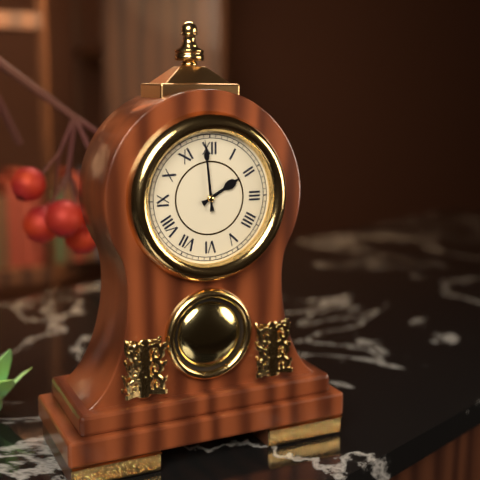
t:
1 h 59 min
